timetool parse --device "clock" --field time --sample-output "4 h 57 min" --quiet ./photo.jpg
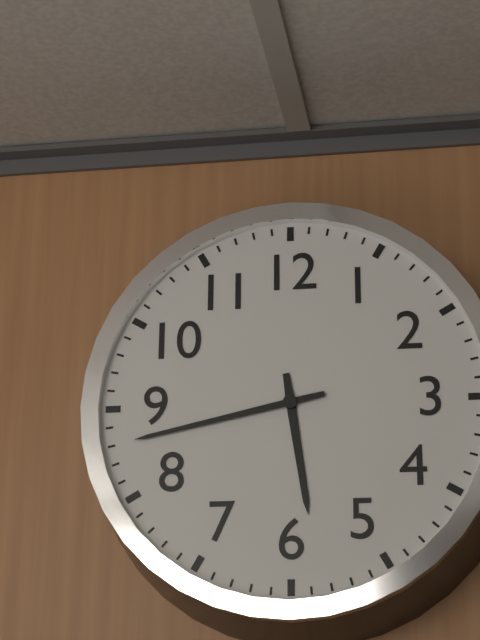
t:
5 h 43 min
